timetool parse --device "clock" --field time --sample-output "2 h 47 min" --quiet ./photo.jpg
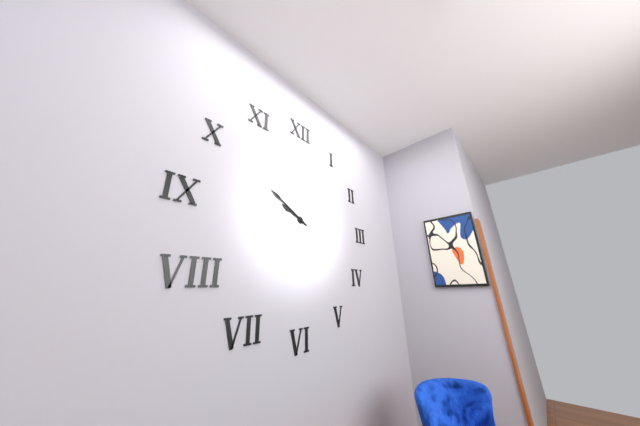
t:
9 h 50 min
